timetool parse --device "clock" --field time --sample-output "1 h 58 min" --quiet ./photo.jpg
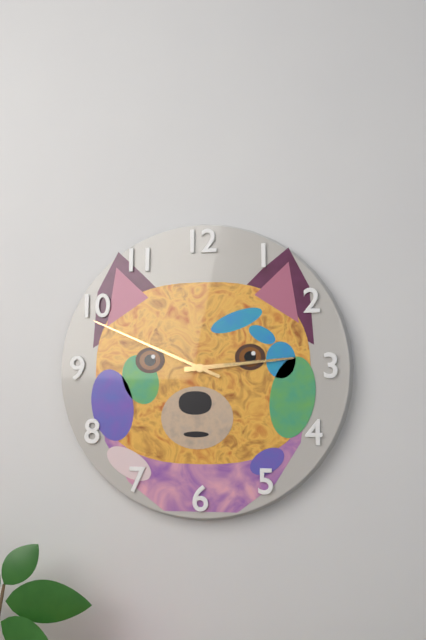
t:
2 h 49 min
